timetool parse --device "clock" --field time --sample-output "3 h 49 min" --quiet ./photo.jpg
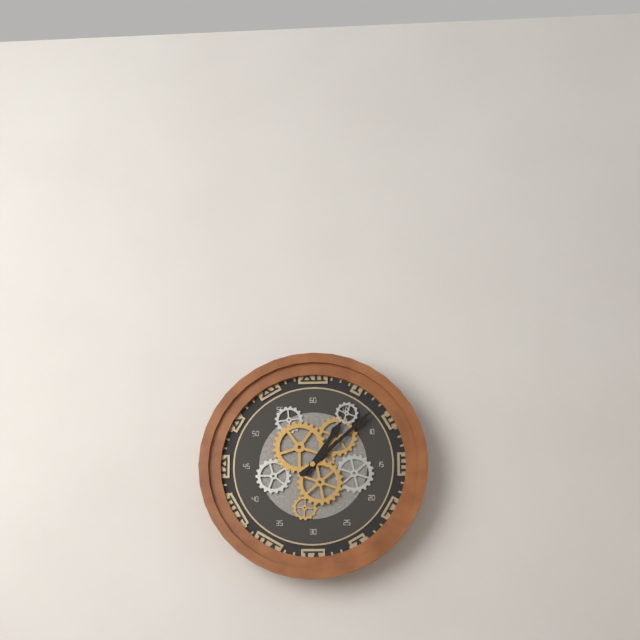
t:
1 h 08 min
